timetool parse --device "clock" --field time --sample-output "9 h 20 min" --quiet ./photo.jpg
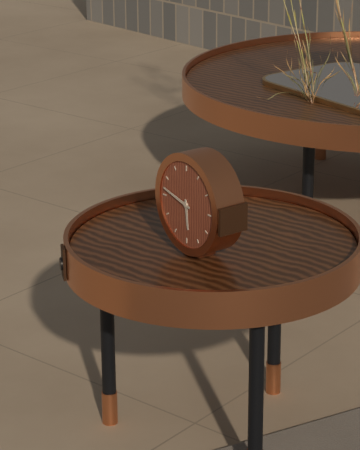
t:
5 h 47 min
